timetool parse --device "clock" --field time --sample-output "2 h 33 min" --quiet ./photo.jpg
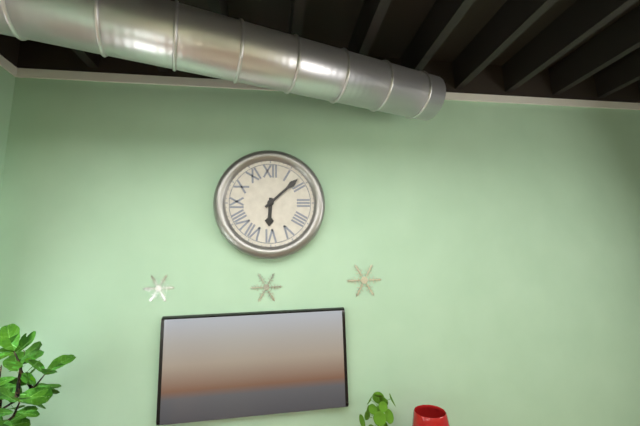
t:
6 h 08 min
